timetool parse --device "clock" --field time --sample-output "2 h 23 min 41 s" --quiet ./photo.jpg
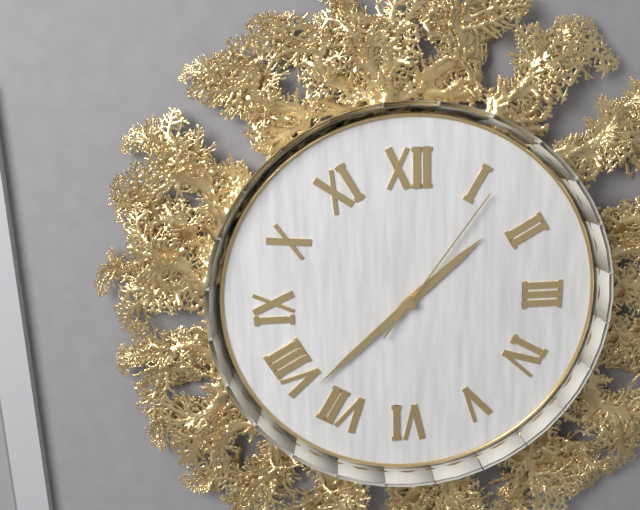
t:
1 h 38 min 06 s
